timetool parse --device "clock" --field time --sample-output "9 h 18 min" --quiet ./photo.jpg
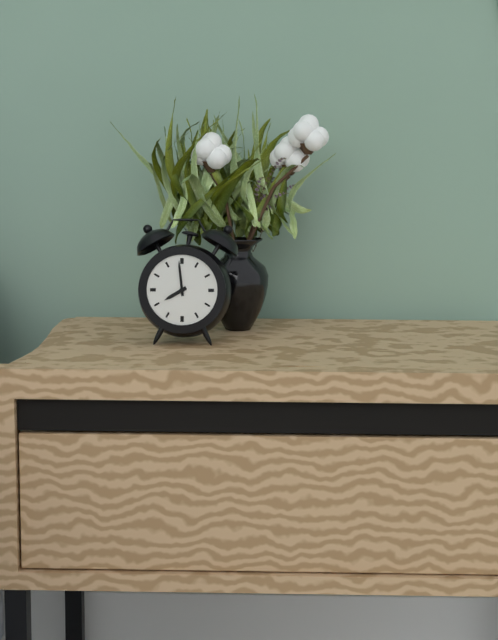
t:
7 h 59 min
